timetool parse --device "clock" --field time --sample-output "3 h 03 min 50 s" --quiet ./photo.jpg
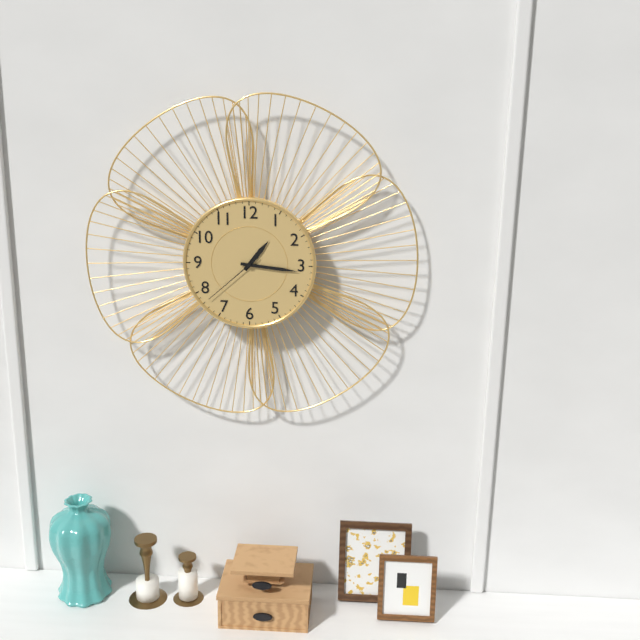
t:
1 h 16 min 38 s
